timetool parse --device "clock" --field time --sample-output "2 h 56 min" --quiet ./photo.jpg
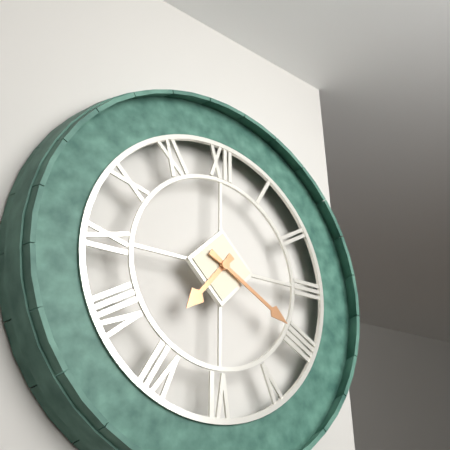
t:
7 h 20 min
